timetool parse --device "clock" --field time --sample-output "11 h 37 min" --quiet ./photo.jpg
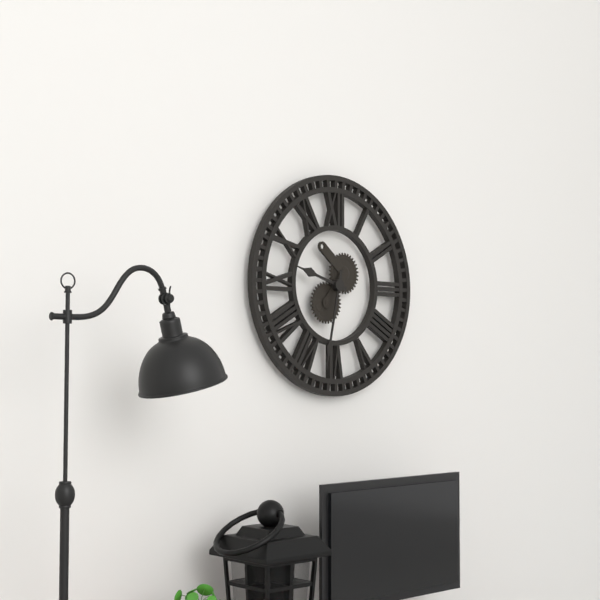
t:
9 h 32 min
